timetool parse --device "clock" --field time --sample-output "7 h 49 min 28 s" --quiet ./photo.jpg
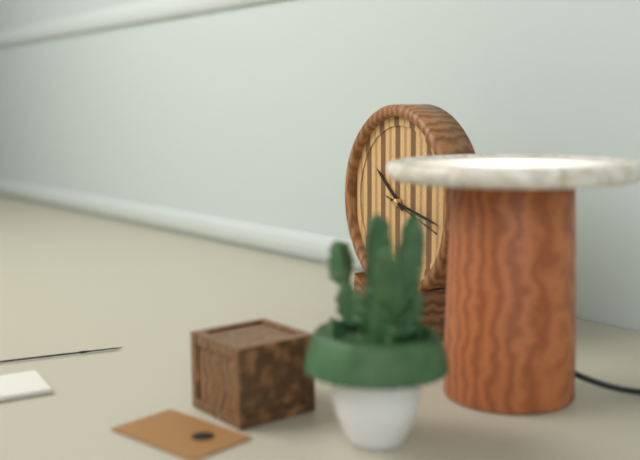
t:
10 h 17 min 18 s
